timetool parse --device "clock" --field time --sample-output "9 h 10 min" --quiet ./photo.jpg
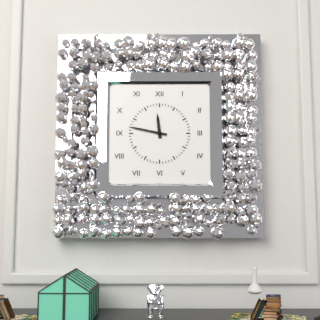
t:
11 h 47 min
